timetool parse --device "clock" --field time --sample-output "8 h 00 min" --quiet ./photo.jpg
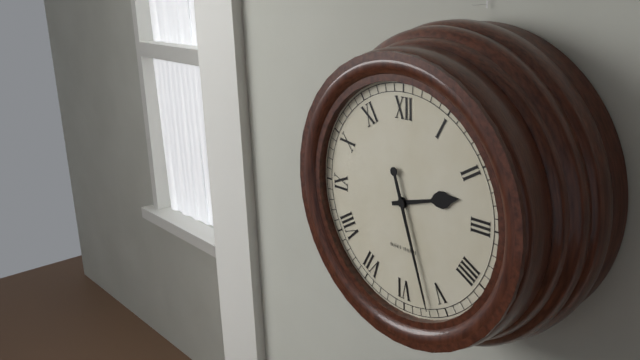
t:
2 h 27 min
